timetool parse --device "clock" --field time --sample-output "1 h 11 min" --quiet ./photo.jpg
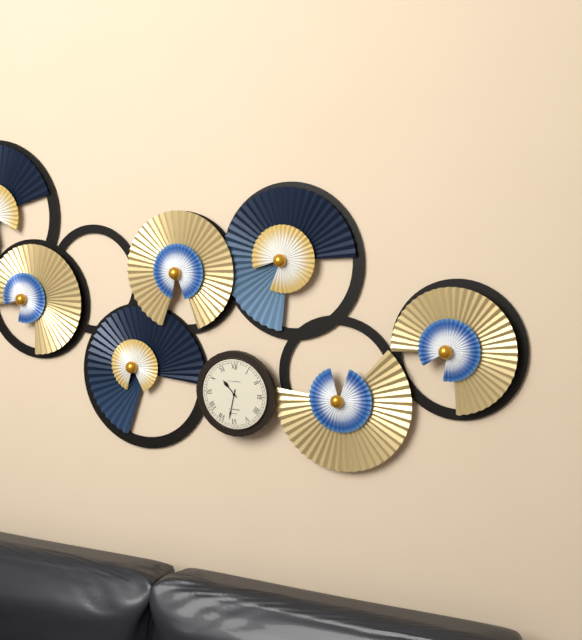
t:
10 h 32 min
